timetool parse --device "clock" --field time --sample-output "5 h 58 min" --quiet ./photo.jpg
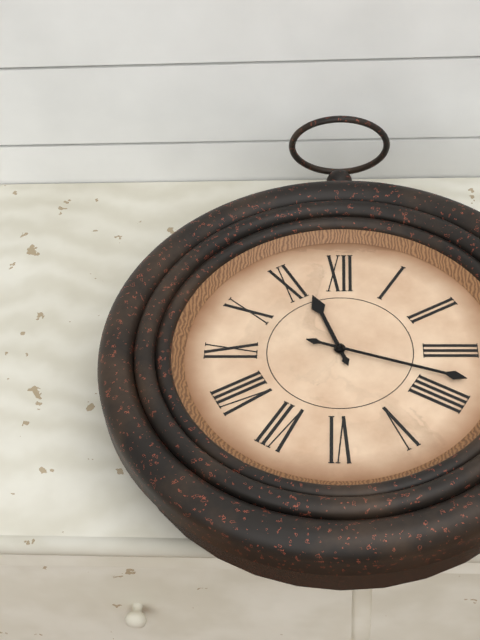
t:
11 h 18 min
